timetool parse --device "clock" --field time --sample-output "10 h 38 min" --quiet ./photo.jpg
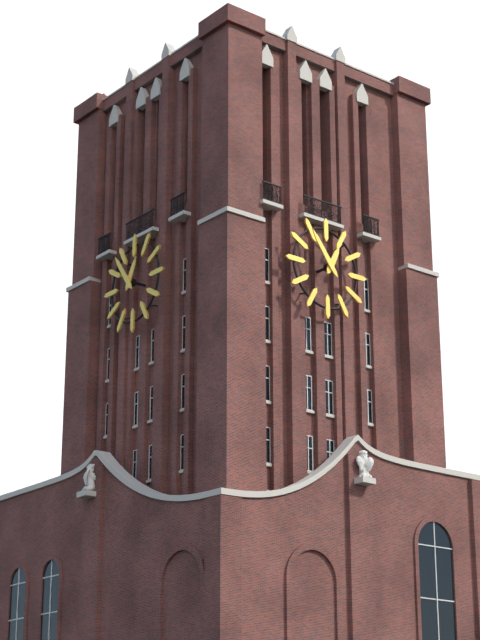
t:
12 h 54 min
